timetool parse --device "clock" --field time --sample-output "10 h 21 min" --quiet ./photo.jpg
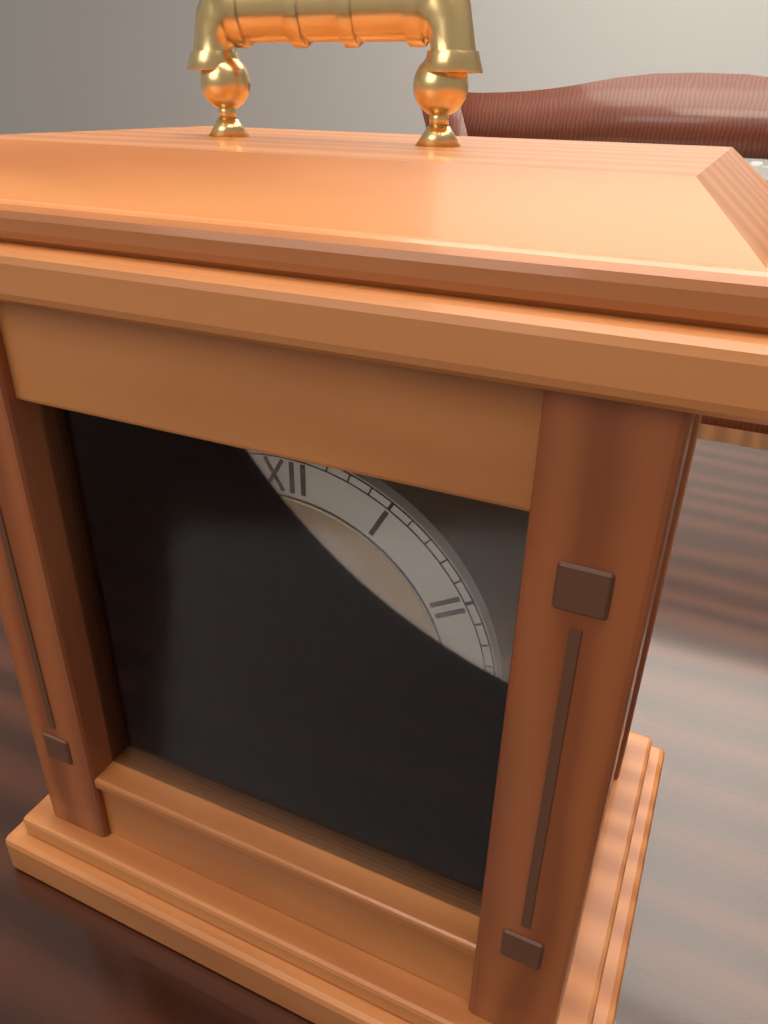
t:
9 h 57 min
